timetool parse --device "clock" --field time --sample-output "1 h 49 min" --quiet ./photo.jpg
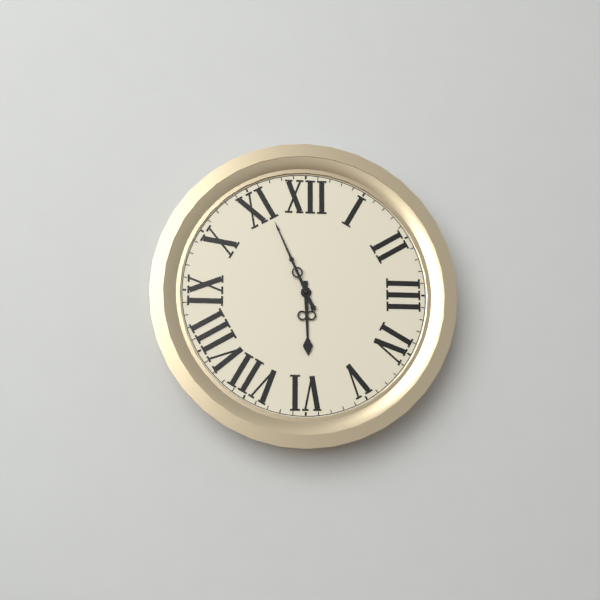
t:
5 h 56 min
